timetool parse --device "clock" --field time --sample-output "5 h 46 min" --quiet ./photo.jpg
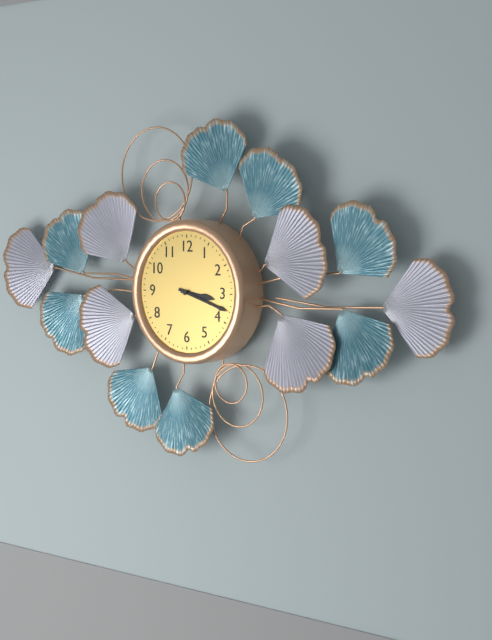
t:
3 h 18 min
